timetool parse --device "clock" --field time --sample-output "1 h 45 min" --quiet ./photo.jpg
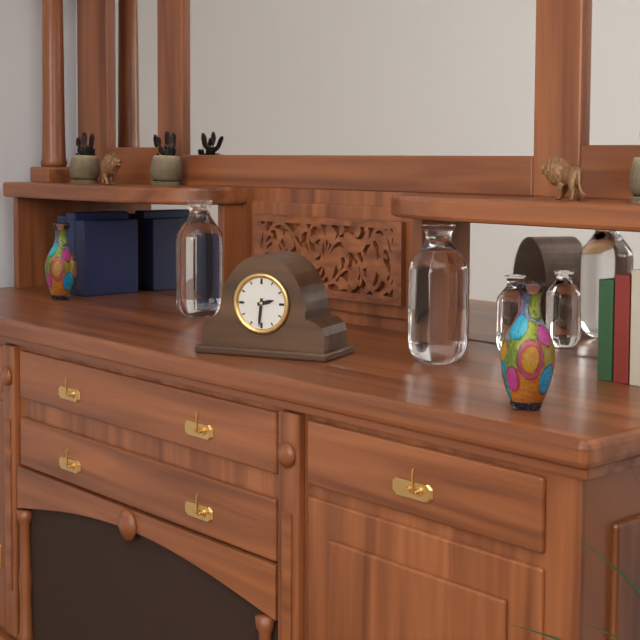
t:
2 h 31 min
